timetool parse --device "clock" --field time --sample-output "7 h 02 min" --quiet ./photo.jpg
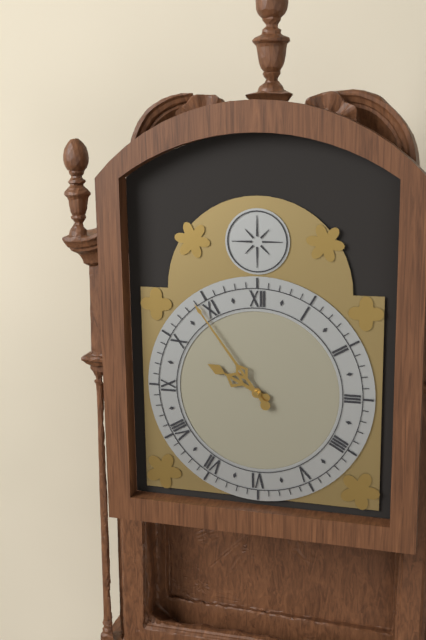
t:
9 h 54 min
